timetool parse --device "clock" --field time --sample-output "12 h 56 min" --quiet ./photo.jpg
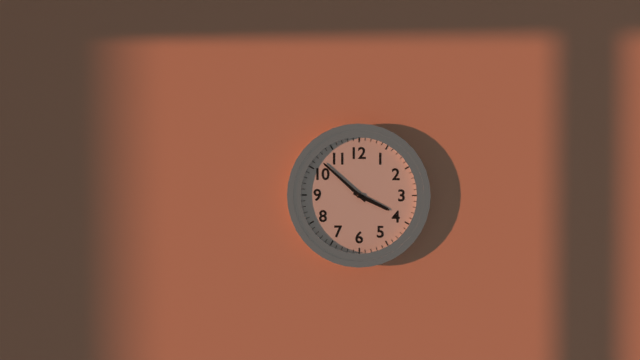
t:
3 h 52 min
